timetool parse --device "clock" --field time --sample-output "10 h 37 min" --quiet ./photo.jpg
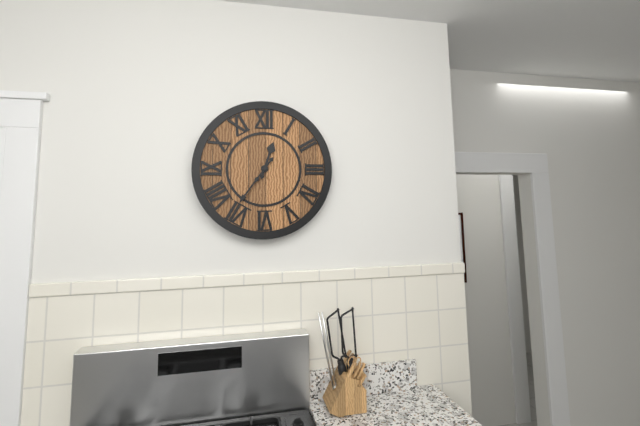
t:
12 h 36 min
